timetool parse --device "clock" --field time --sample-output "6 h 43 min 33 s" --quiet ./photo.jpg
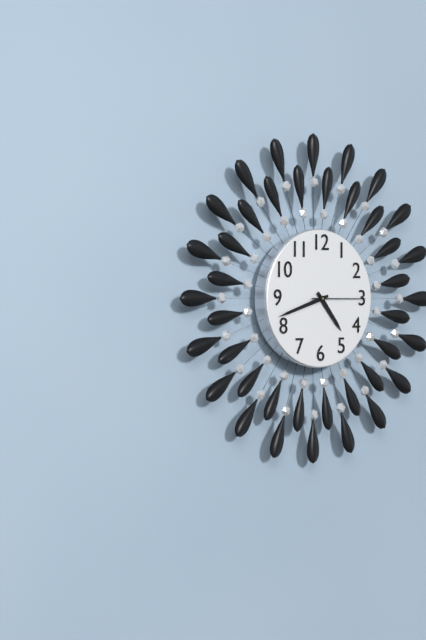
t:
4 h 42 min 15 s
